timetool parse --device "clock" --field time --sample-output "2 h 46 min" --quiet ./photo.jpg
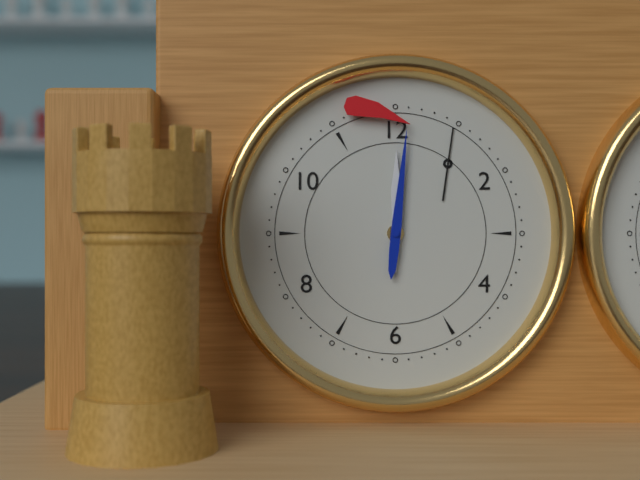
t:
12 h 01 min
